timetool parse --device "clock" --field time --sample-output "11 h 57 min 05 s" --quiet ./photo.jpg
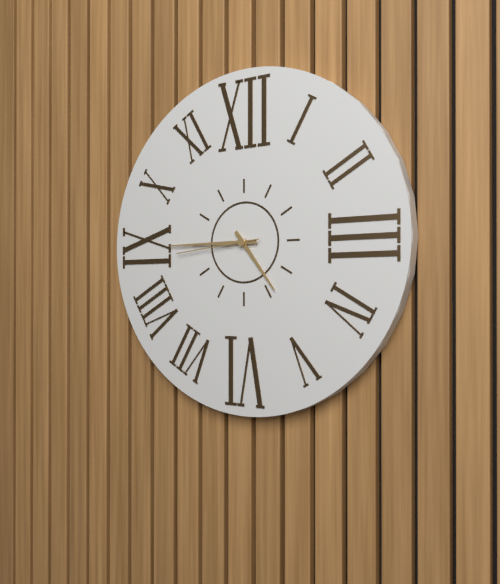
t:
4 h 45 min 44 s
